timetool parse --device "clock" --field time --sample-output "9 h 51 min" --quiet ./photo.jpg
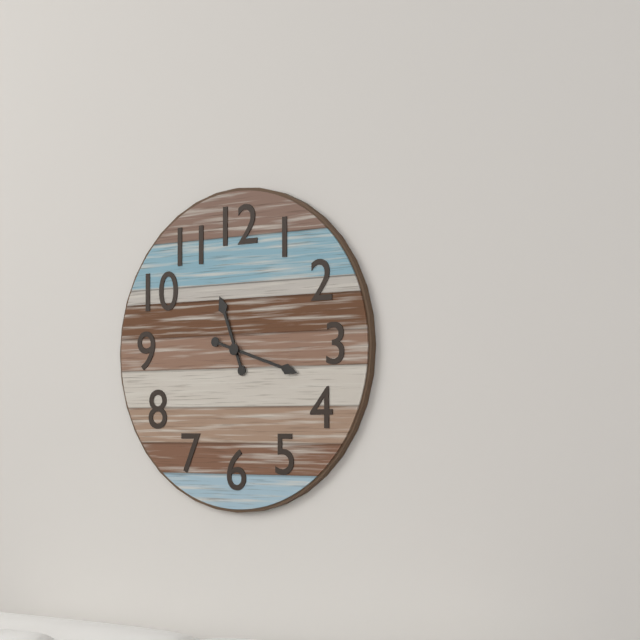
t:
11 h 18 min
